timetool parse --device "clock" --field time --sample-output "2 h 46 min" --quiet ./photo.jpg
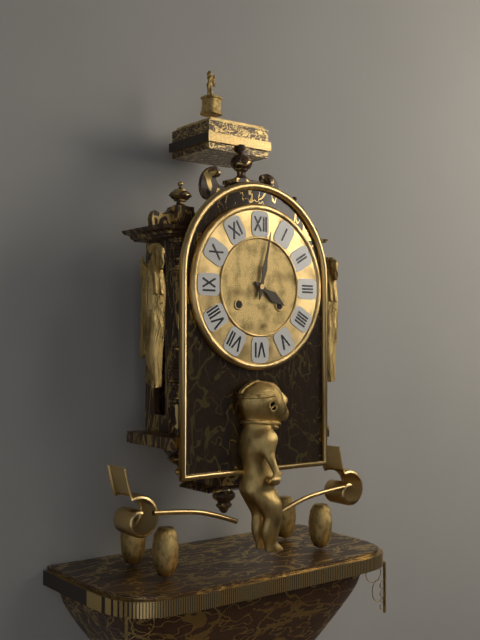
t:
4 h 02 min
